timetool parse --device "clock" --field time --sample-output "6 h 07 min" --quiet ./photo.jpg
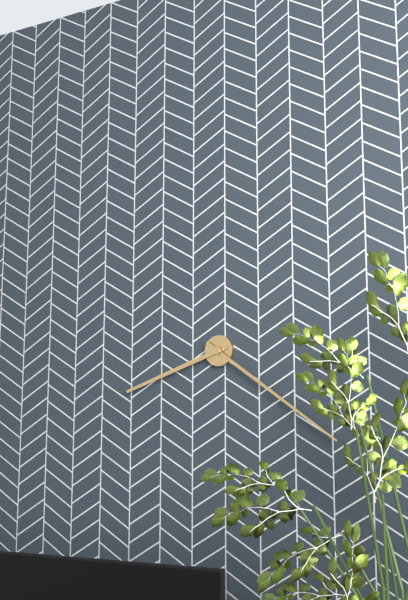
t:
8 h 21 min
